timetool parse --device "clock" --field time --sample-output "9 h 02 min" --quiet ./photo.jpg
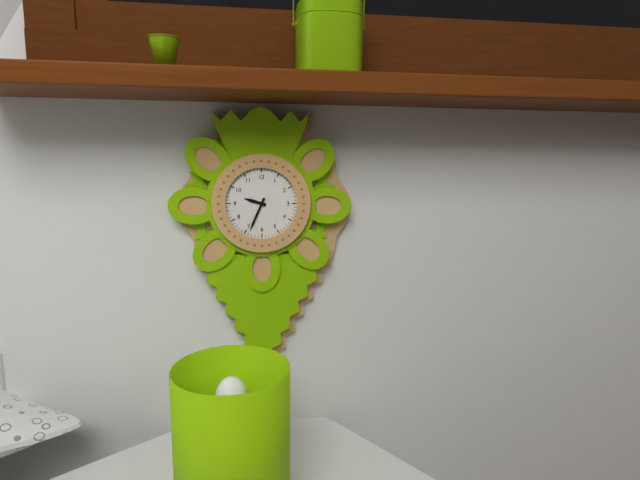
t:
9 h 34 min
